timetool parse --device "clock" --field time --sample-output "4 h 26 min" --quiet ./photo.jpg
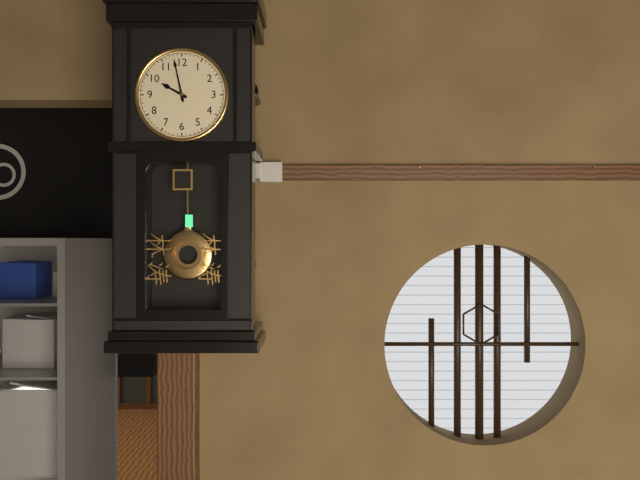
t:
9 h 58 min
